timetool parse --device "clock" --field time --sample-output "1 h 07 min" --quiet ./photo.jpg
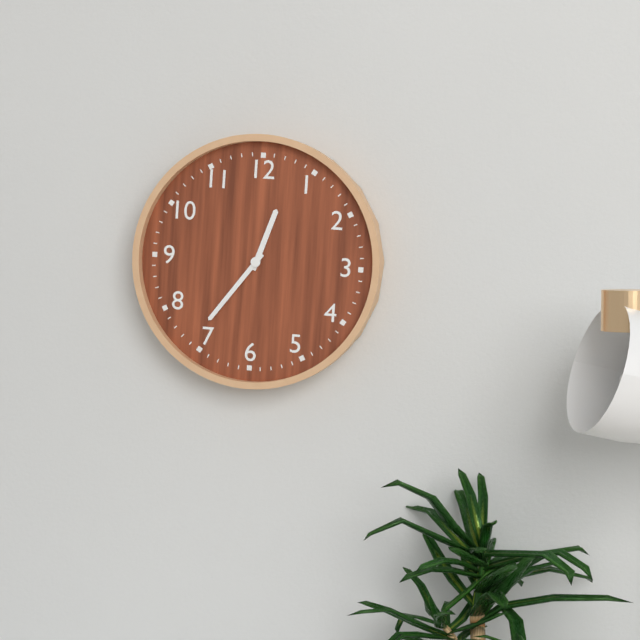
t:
12 h 36 min
